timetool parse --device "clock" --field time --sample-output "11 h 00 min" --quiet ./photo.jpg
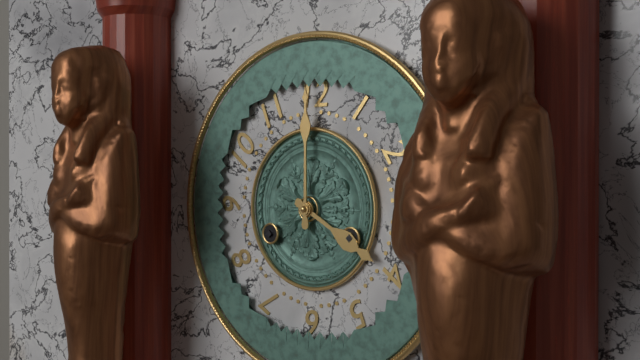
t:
4 h 00 min
